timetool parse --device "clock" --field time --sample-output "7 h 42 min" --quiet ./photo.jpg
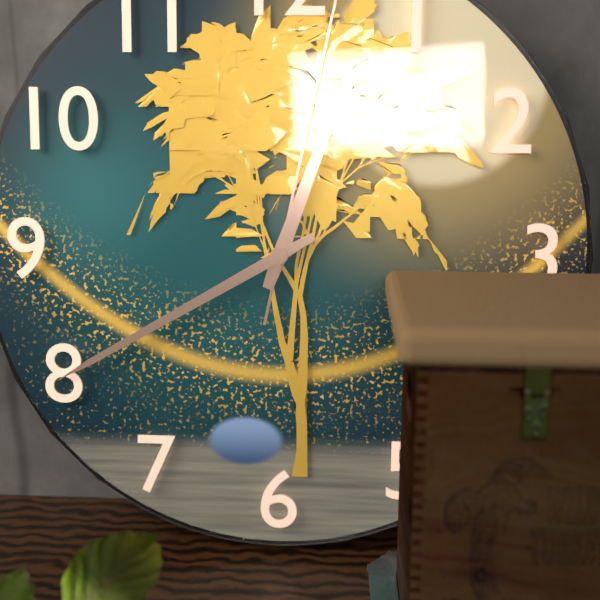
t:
12 h 40 min
